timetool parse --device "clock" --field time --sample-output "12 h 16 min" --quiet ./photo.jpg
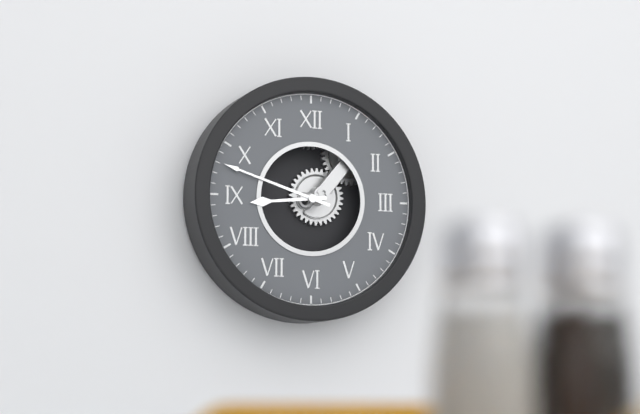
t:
8 h 48 min
